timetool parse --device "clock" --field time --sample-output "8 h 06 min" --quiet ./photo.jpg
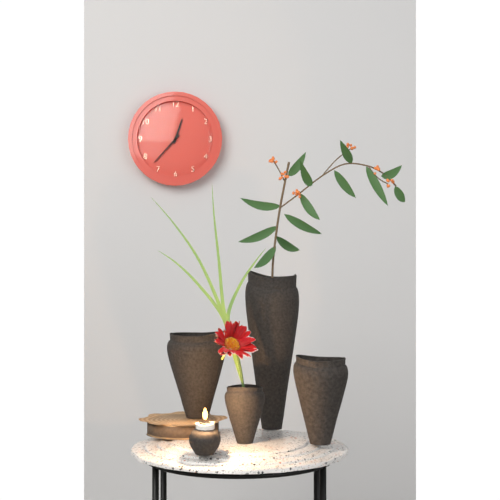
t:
12 h 37 min
